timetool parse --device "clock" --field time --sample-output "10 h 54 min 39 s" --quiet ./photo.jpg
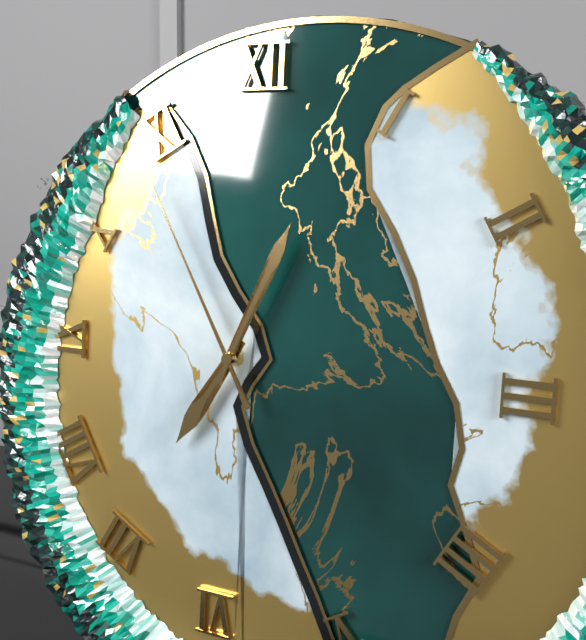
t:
7 h 04 min 55 s
